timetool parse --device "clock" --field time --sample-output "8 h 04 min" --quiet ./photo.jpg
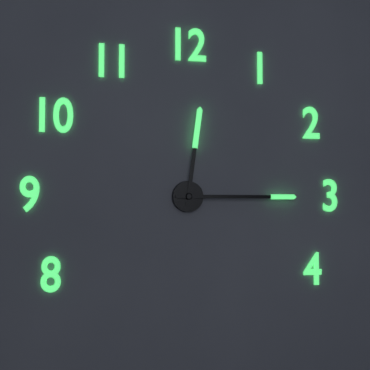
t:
12 h 15 min
